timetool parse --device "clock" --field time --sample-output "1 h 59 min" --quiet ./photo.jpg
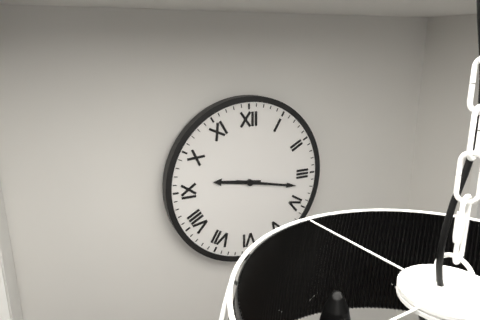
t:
9 h 17 min
